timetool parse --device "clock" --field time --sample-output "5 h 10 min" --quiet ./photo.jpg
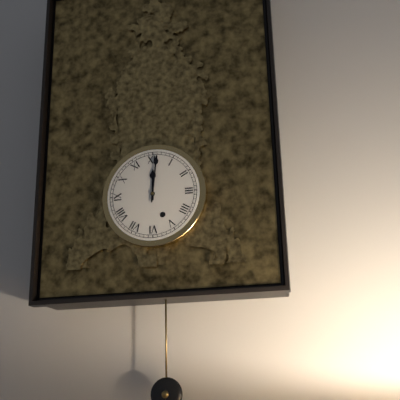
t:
12 h 01 min
